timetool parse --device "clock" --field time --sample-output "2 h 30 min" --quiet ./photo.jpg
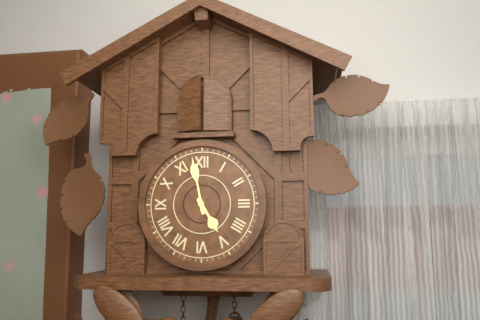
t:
4 h 58 min
